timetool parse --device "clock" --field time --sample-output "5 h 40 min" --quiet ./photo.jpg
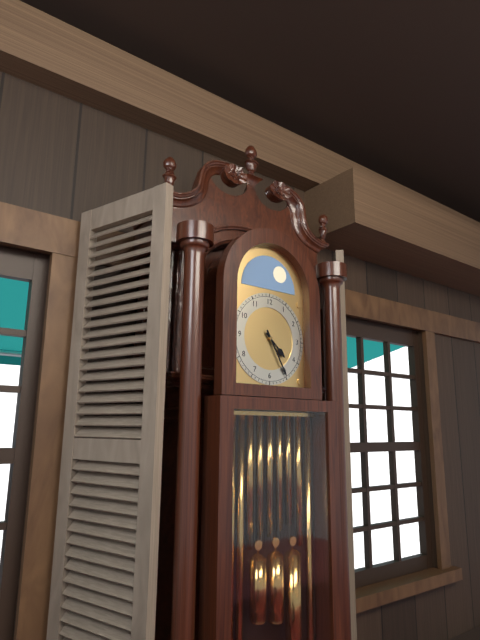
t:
4 h 25 min
